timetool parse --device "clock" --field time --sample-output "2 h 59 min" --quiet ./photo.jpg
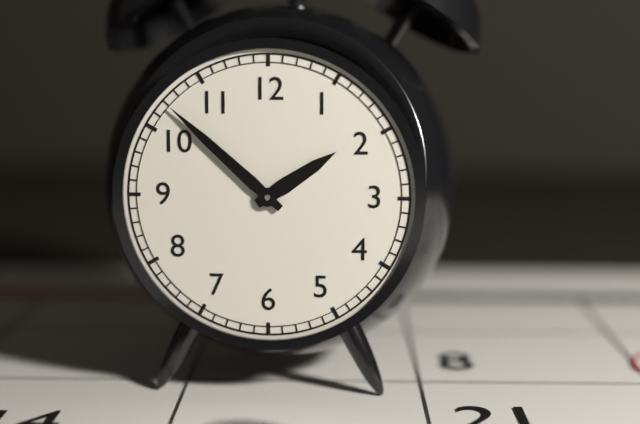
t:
1 h 52 min
